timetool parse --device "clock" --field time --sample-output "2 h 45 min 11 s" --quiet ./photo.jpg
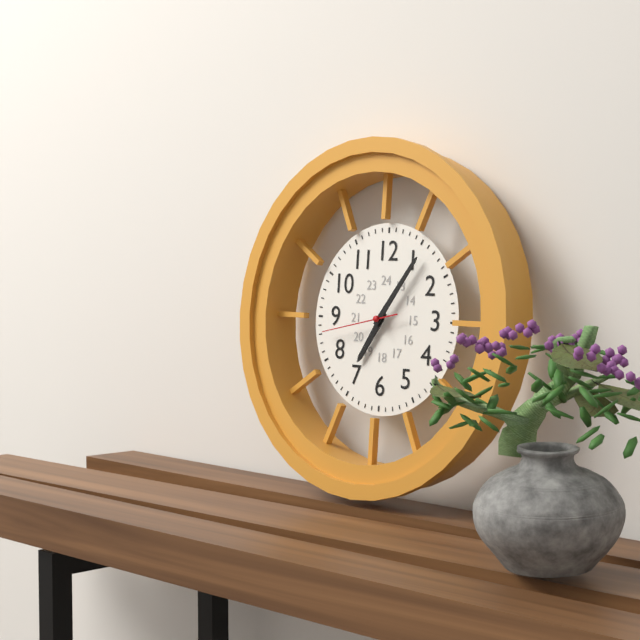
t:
7 h 06 min 43 s
